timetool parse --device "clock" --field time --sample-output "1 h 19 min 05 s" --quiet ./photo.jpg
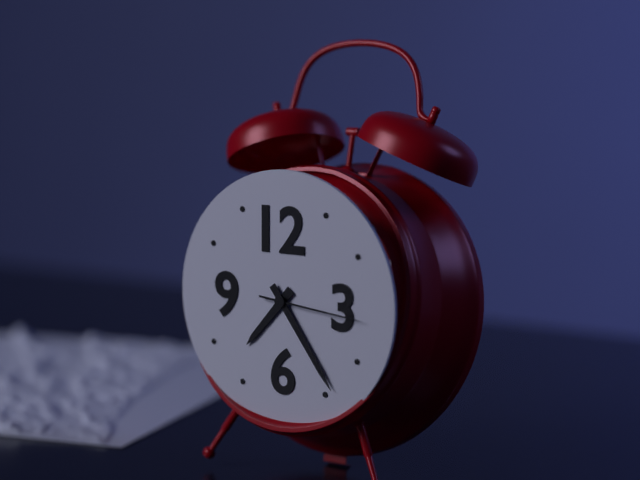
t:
7 h 24 min 16 s
